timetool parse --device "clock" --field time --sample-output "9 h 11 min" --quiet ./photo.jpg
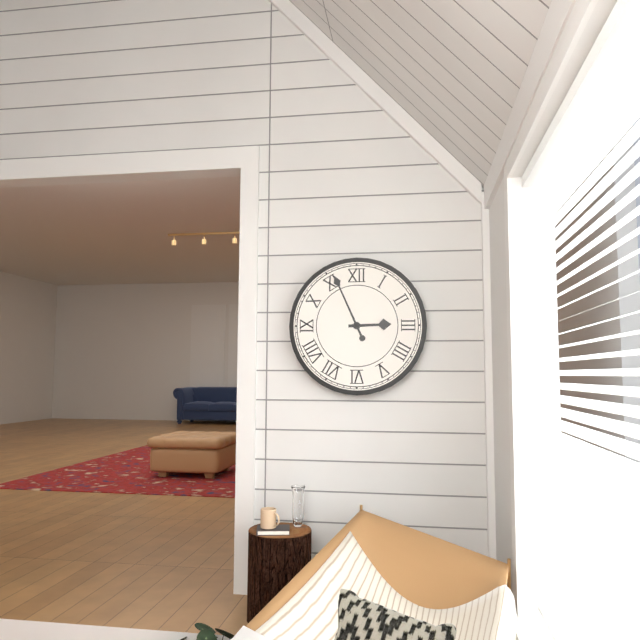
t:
2 h 56 min
